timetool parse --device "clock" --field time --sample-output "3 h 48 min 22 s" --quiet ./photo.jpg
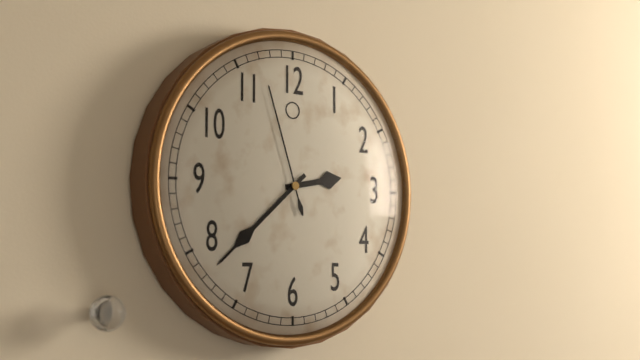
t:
2 h 38 min 57 s
